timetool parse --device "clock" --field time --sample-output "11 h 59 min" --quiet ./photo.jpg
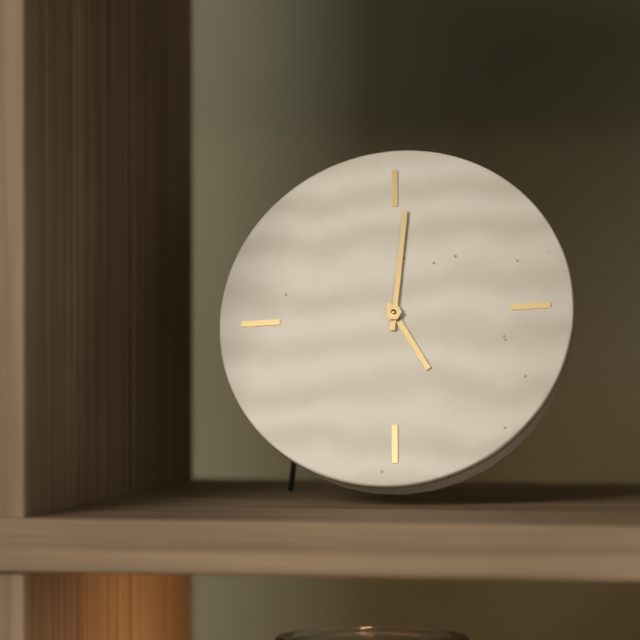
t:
5 h 01 min
